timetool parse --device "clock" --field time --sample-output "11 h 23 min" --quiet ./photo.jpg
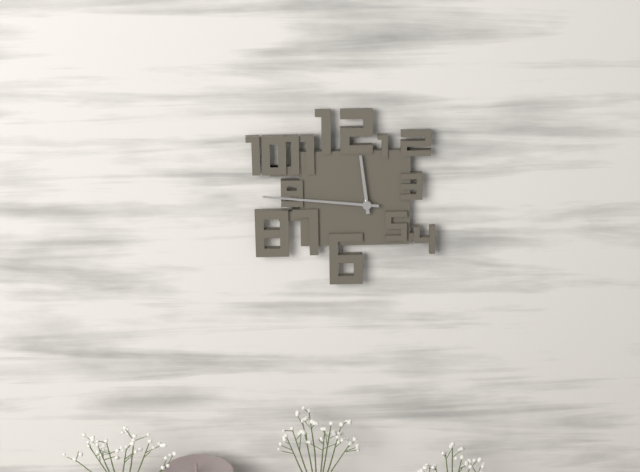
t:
11 h 46 min
